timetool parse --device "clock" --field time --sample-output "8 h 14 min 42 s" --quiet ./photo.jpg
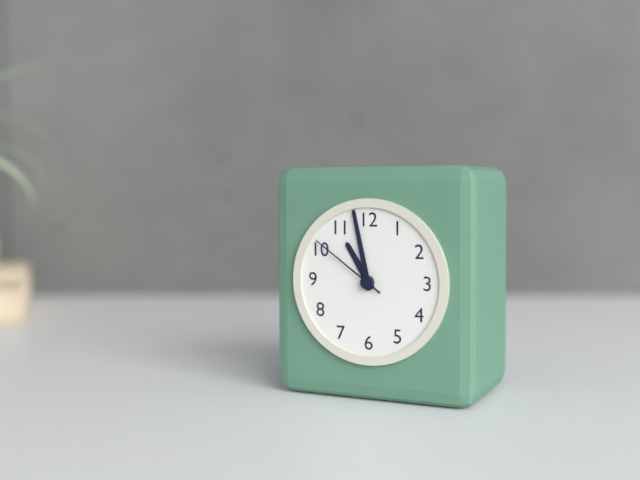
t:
10 h 58 min 51 s
